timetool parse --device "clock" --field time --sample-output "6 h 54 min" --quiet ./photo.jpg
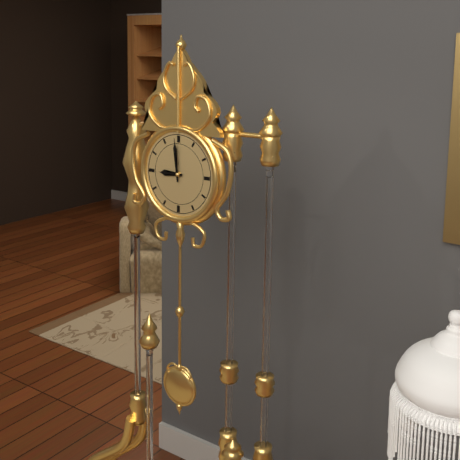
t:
8 h 59 min
